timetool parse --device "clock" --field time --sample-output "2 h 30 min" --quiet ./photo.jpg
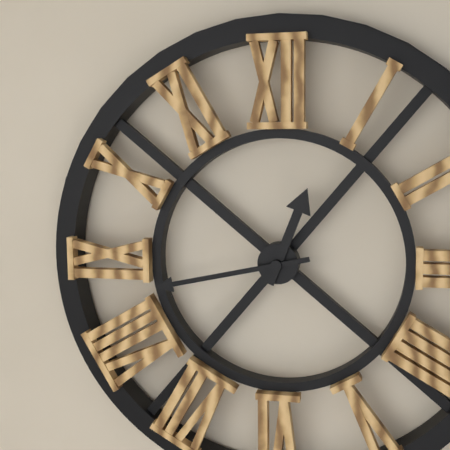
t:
12 h 43 min
